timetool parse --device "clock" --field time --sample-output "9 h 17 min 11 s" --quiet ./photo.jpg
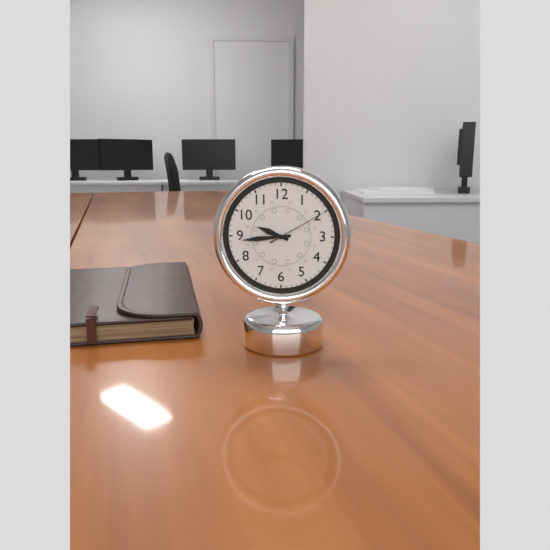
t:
9 h 44 min 10 s
